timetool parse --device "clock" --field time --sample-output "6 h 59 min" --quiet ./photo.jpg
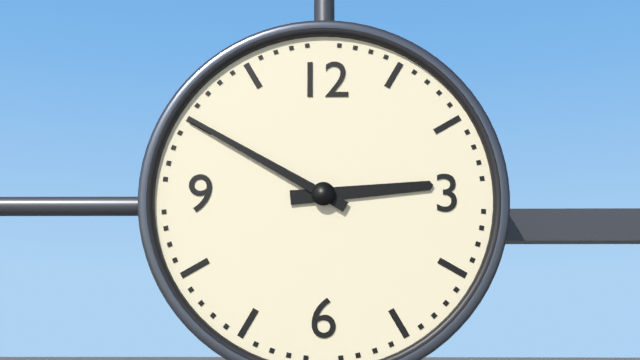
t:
2 h 50 min
